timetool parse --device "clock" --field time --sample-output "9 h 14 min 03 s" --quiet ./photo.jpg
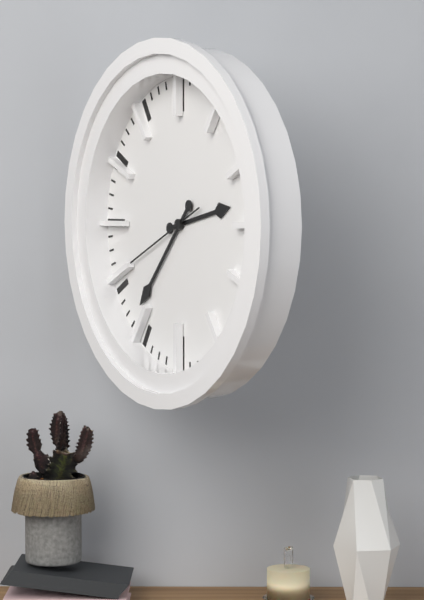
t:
2 h 37 min 41 s
